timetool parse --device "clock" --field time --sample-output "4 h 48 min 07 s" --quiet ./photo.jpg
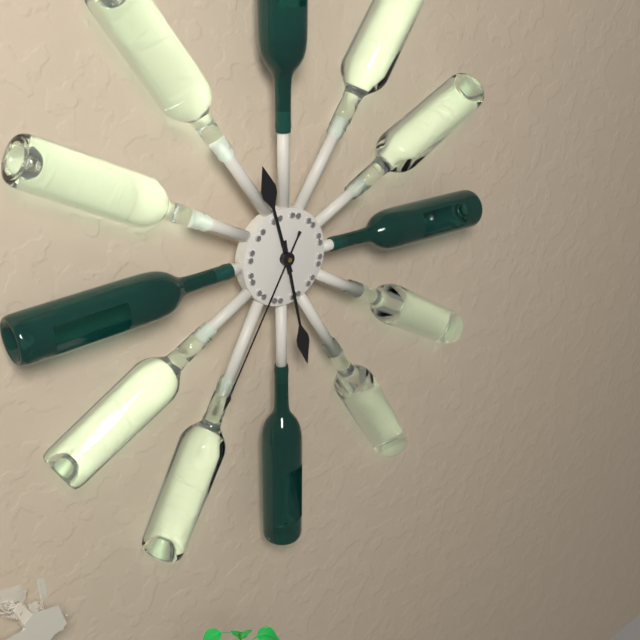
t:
11 h 28 min 35 s
